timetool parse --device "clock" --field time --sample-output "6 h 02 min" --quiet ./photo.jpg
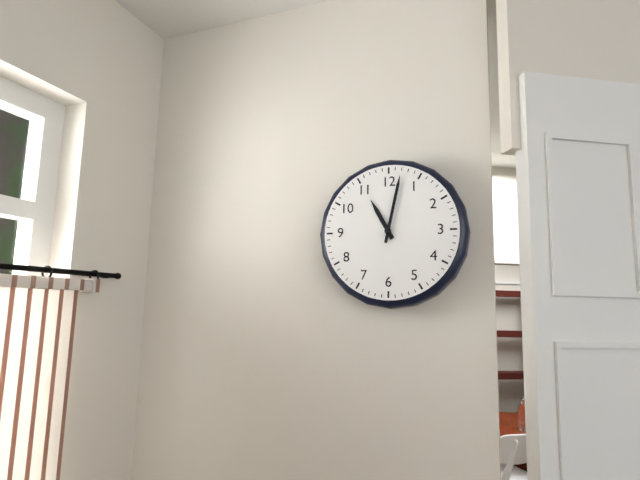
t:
11 h 02 min
